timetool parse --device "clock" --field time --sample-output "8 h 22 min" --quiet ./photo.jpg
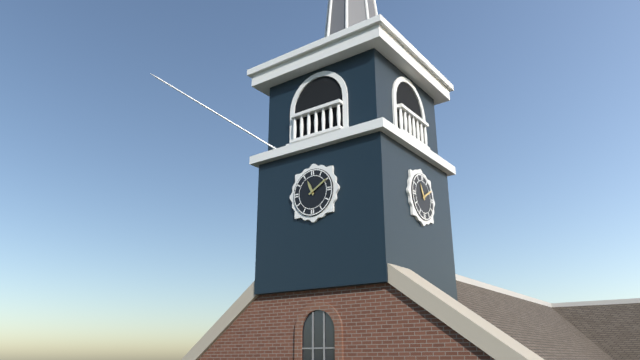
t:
11 h 10 min
